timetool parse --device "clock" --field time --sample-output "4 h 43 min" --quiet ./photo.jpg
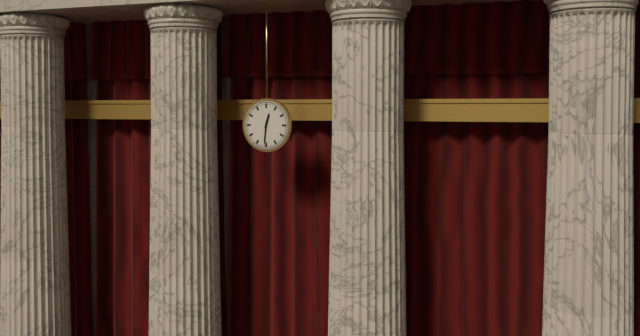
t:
12 h 31 min
